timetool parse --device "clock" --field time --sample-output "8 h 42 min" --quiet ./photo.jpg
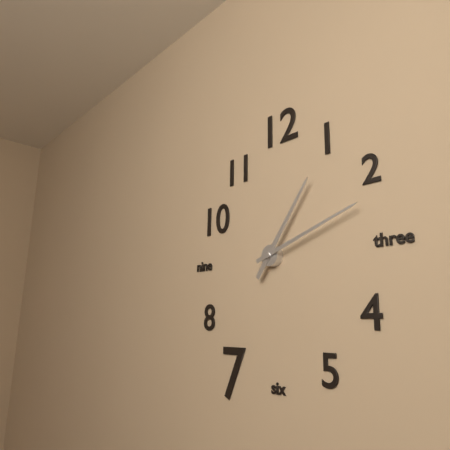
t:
1 h 12 min
